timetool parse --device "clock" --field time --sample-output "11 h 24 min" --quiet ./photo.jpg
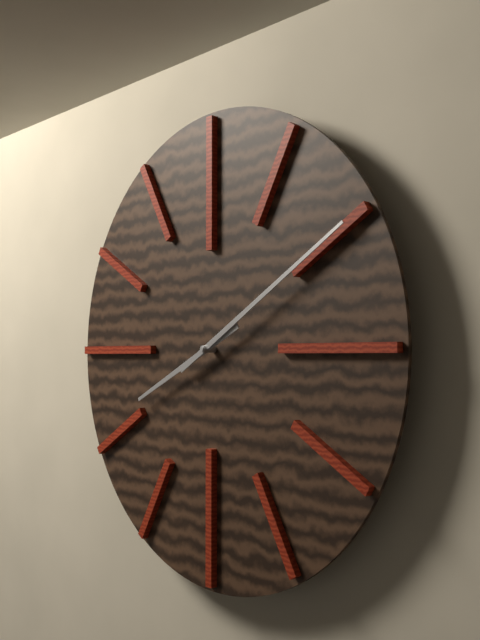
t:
8 h 10 min
